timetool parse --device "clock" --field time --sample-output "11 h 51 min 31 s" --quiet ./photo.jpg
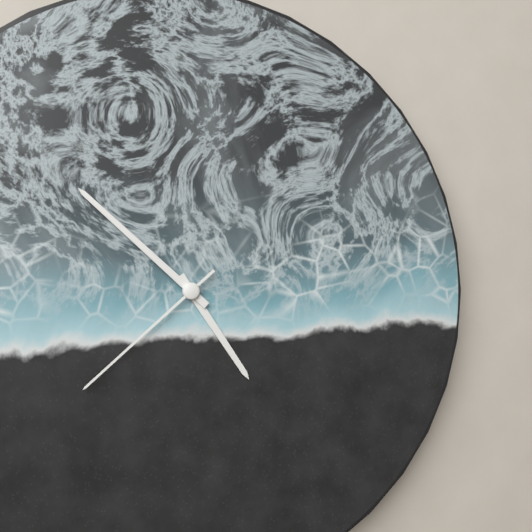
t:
4 h 52 min 38 s
